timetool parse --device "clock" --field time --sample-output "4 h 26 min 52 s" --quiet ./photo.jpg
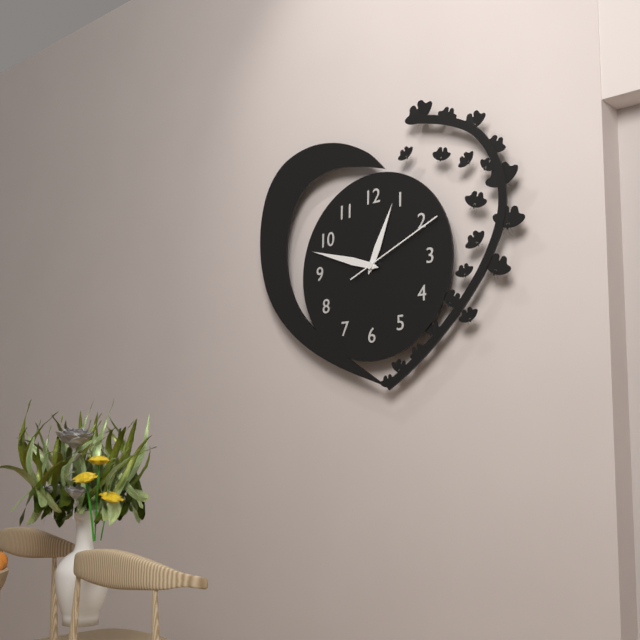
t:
12 h 48 min 11 s
